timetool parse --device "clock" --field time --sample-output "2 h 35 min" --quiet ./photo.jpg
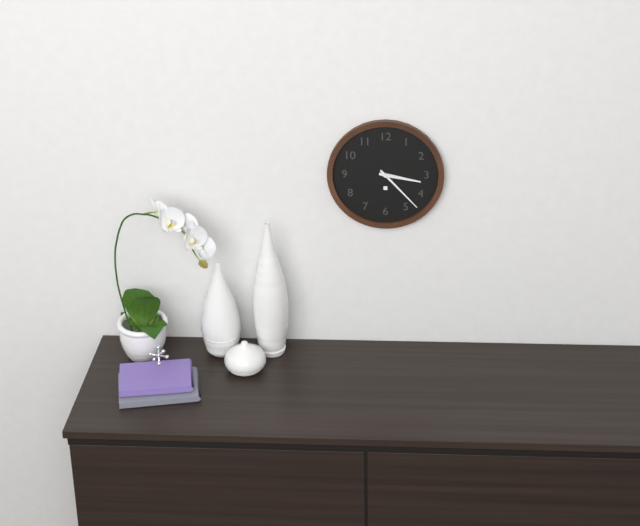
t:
3 h 23 min
